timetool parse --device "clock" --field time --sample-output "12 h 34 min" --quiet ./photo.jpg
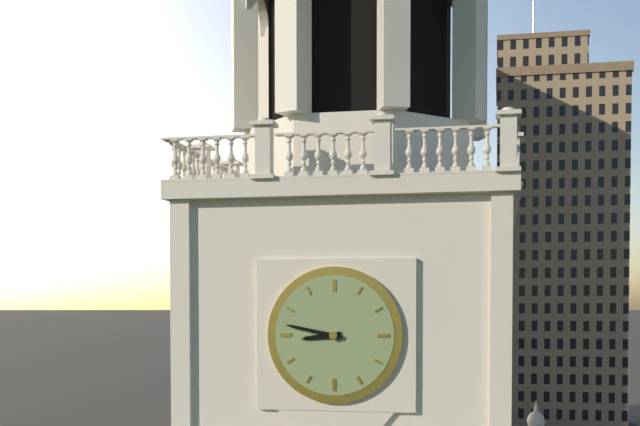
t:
8 h 47 min
